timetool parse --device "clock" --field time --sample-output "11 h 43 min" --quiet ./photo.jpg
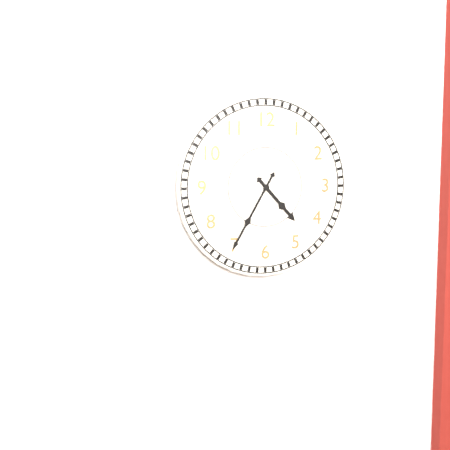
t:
4 h 35 min
